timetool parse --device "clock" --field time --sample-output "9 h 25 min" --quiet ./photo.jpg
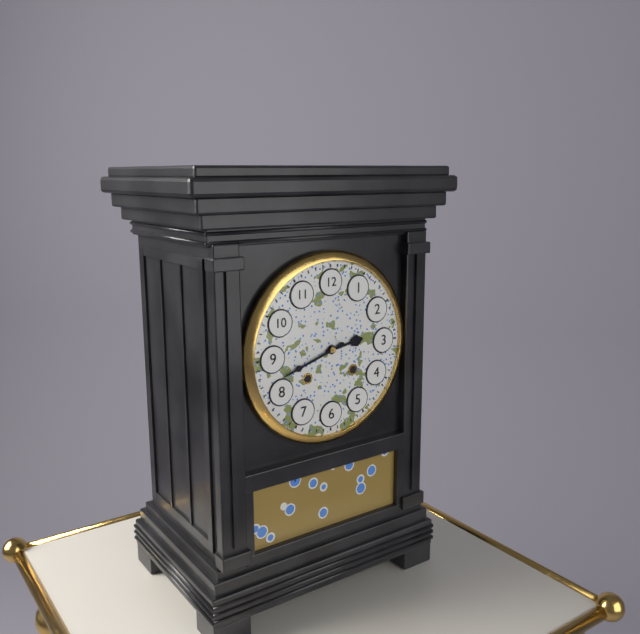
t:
2 h 42 min
